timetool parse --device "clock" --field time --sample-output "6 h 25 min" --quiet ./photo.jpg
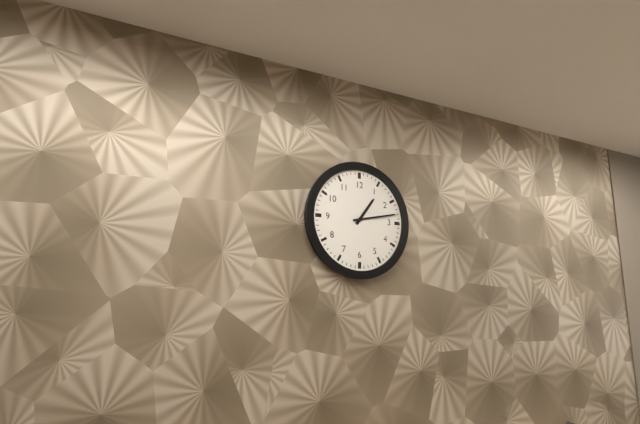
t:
1 h 13 min
